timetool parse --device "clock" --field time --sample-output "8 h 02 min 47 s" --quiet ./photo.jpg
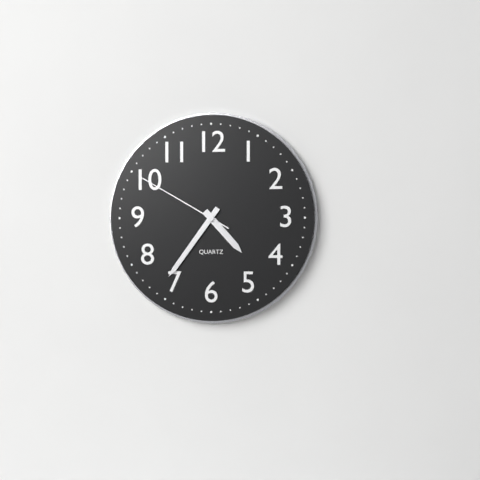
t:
4 h 36 min 50 s
